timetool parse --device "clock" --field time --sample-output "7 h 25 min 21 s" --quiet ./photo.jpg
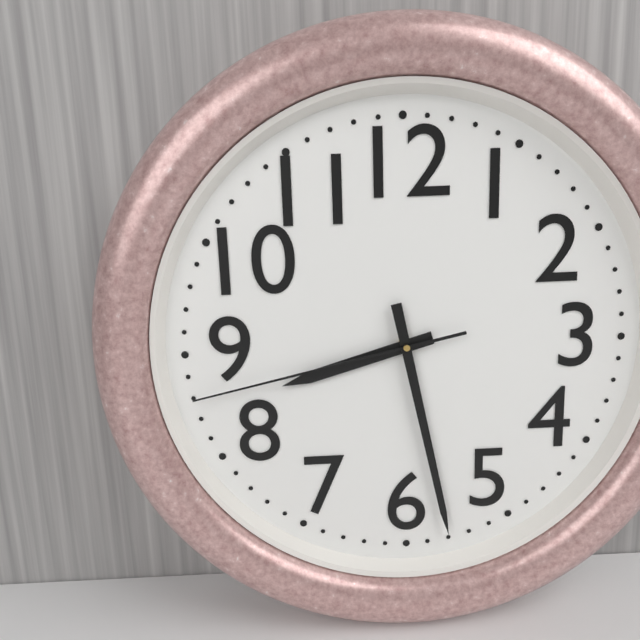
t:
8 h 28 min 43 s
